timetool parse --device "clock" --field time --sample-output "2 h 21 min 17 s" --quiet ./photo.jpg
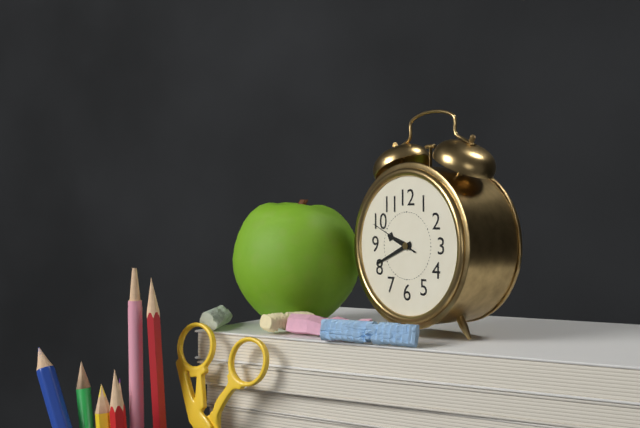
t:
9 h 41 min 49 s
